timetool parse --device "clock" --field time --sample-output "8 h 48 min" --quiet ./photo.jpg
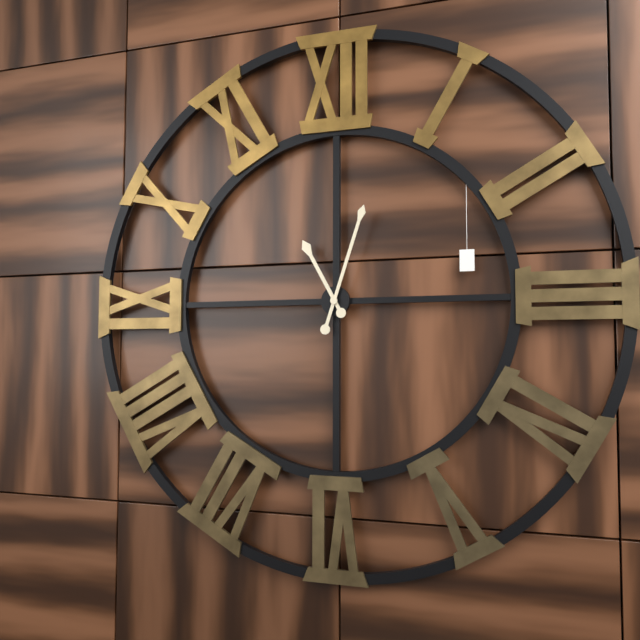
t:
11 h 03 min
